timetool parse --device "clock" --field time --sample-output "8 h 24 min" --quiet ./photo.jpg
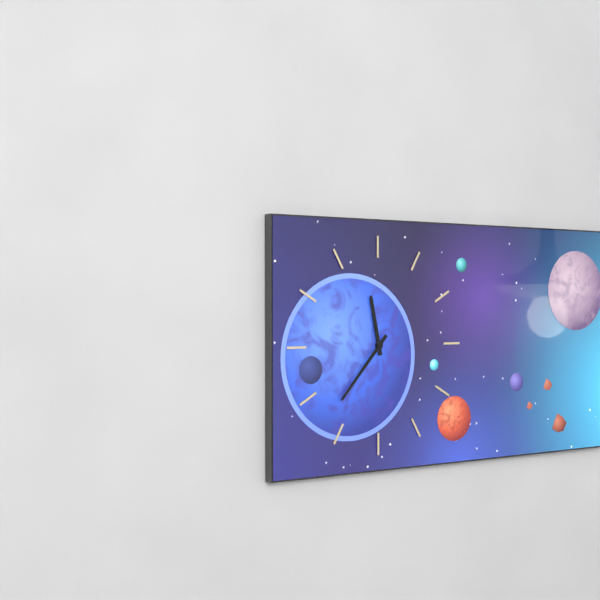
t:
11 h 37 min
